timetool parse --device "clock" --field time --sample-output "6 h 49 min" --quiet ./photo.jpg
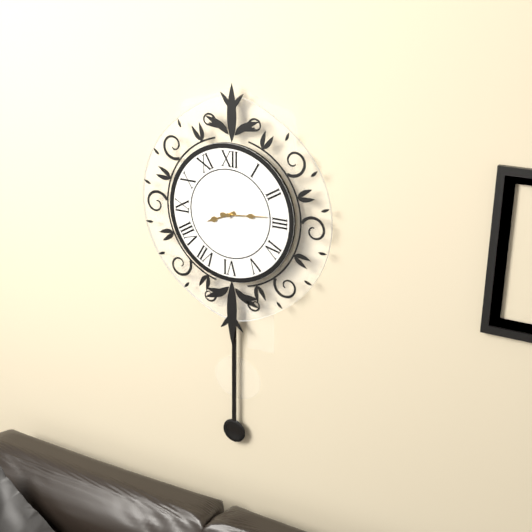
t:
8 h 14 min
